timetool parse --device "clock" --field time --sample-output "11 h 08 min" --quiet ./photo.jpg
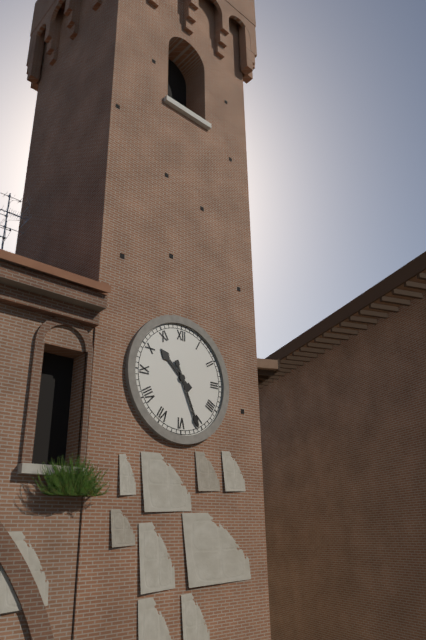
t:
10 h 26 min
